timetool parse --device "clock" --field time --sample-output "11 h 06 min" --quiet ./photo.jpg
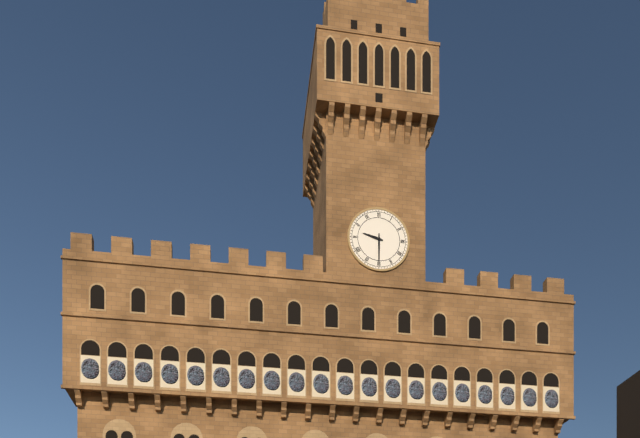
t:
9 h 30 min
